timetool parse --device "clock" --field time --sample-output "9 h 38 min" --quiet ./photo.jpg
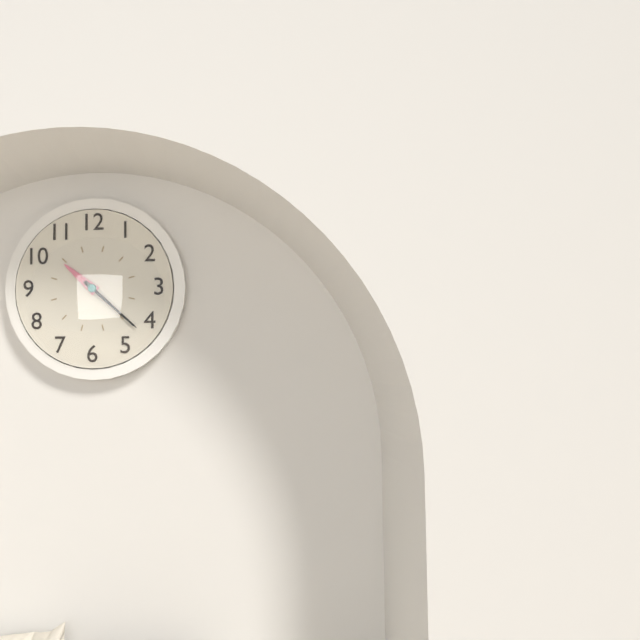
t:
10 h 22 min
